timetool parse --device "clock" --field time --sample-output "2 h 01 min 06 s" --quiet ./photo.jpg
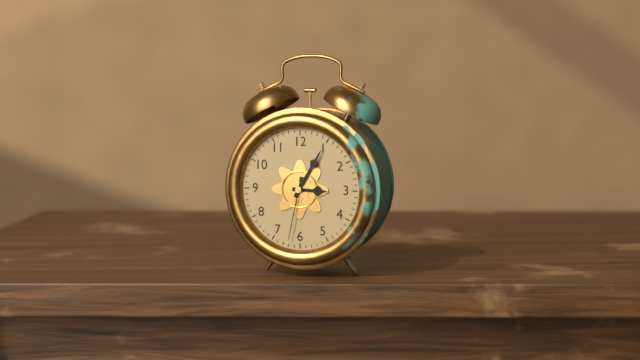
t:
3 h 05 min 32 s
